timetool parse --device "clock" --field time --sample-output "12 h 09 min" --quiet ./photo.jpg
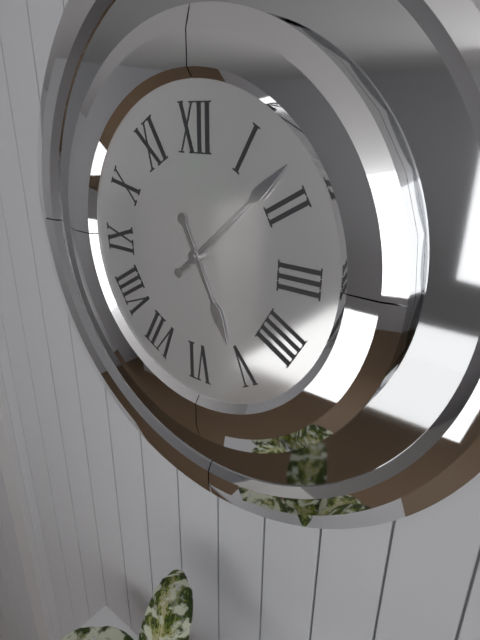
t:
5 h 08 min
